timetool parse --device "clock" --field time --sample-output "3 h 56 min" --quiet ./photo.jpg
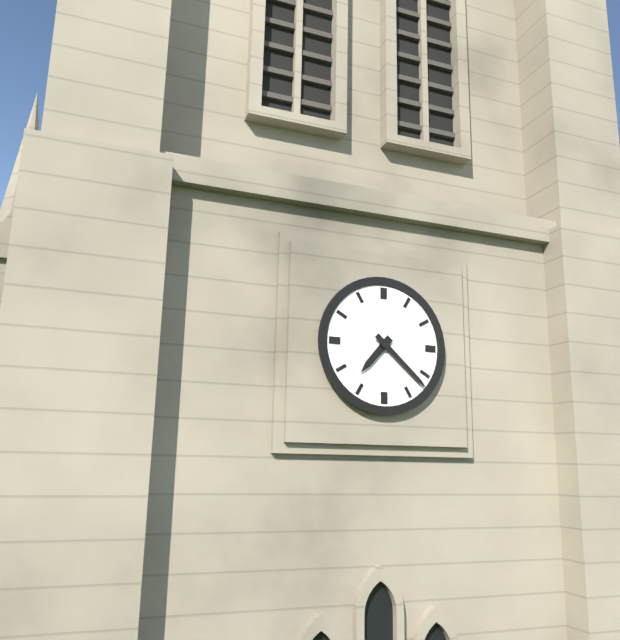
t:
7 h 22 min
